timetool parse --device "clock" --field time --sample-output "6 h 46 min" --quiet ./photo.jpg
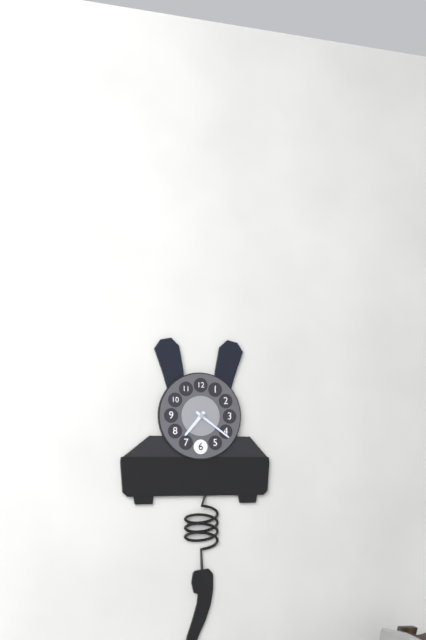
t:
7 h 21 min
